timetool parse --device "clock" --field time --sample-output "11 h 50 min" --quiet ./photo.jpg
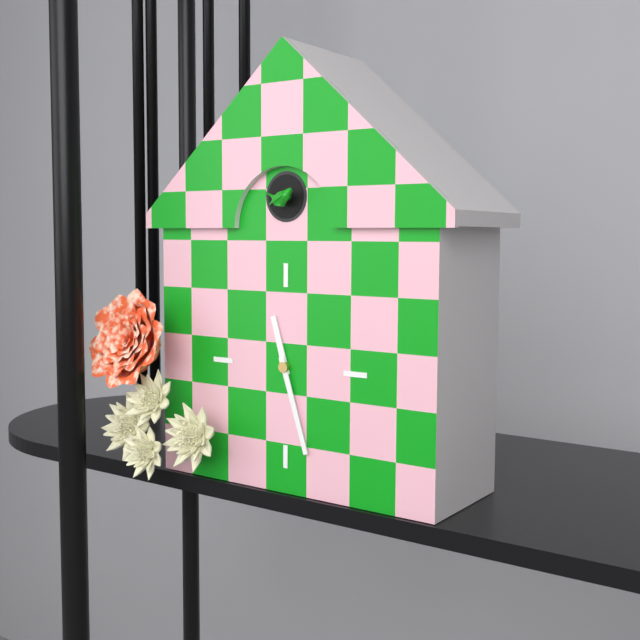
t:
11 h 27 min
